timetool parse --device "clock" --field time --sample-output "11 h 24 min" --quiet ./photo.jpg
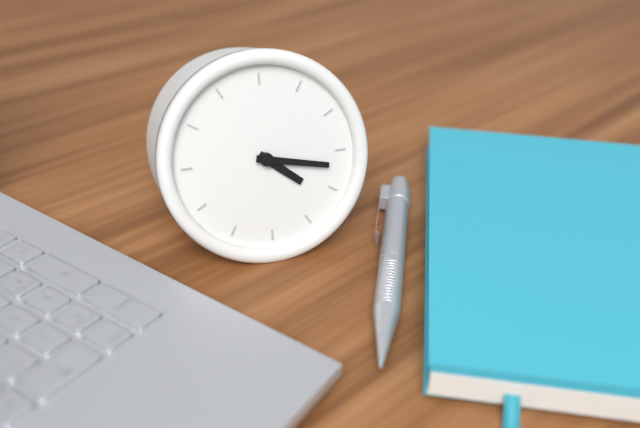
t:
4 h 17 min
